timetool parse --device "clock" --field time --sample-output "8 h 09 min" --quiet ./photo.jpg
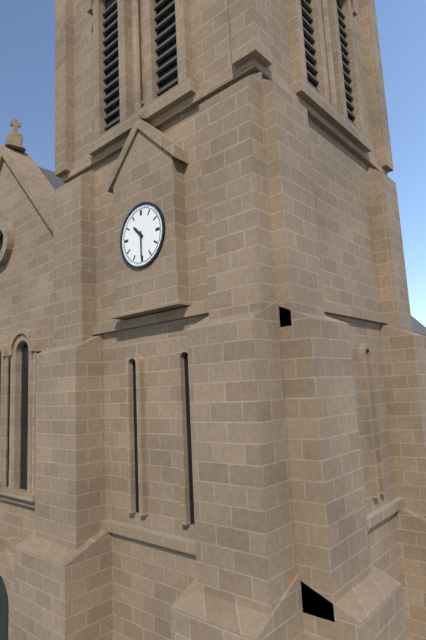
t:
10 h 30 min
